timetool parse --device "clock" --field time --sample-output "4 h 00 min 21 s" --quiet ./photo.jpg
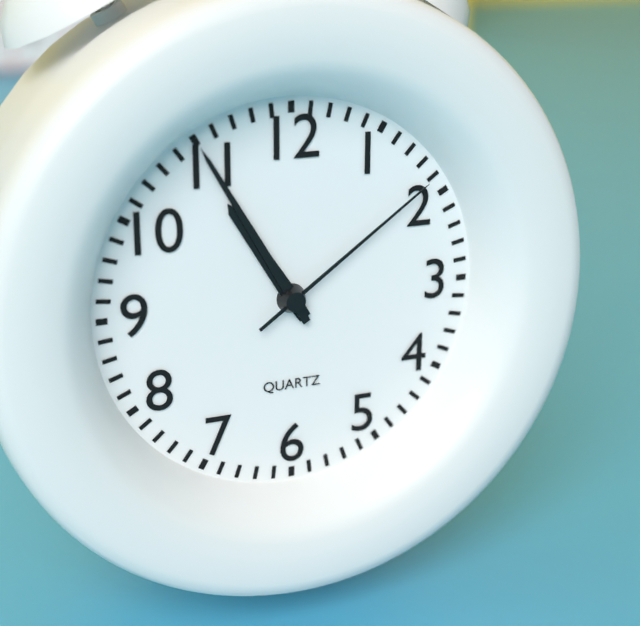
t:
10 h 55 min 09 s
